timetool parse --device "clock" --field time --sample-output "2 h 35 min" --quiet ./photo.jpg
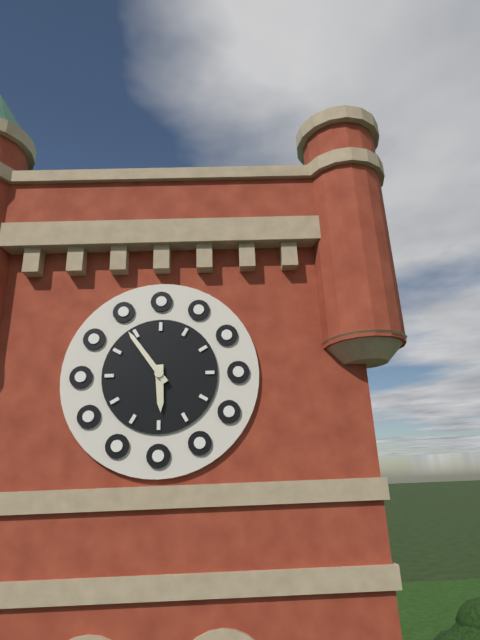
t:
5 h 54 min
